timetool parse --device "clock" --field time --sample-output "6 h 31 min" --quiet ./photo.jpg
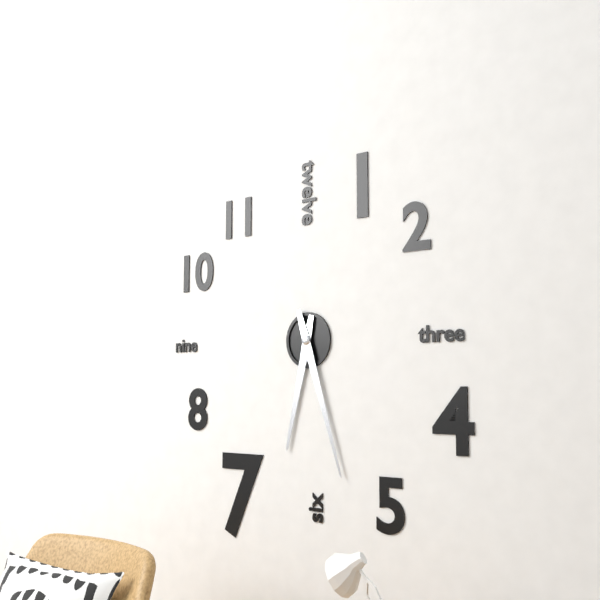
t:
6 h 27 min
